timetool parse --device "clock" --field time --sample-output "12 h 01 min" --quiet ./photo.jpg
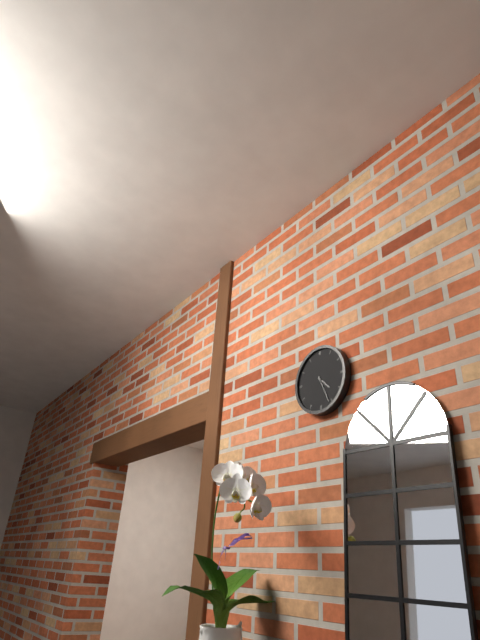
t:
4 h 26 min
